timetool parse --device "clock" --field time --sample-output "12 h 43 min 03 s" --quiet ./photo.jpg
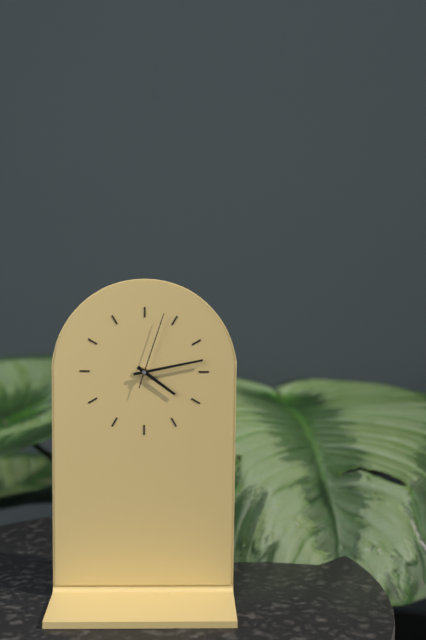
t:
4 h 13 min 03 s
